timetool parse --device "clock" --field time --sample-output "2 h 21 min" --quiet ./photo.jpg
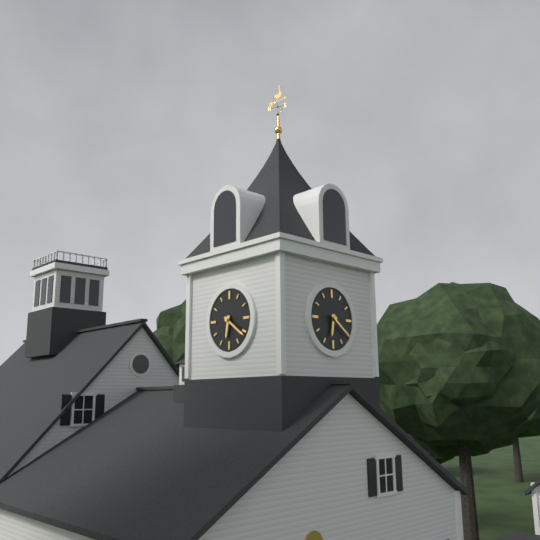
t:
6 h 21 min
